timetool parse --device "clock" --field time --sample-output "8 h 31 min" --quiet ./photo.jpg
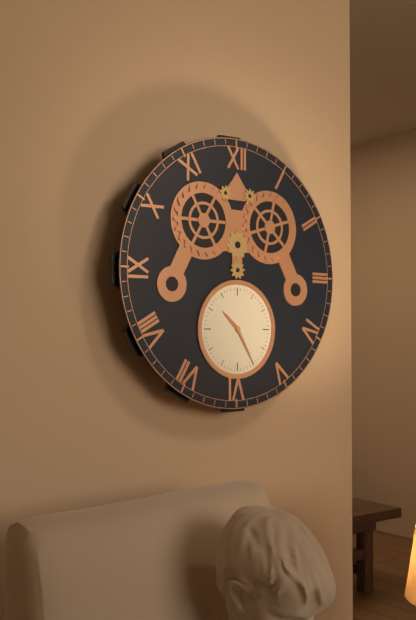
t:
10 h 25 min
